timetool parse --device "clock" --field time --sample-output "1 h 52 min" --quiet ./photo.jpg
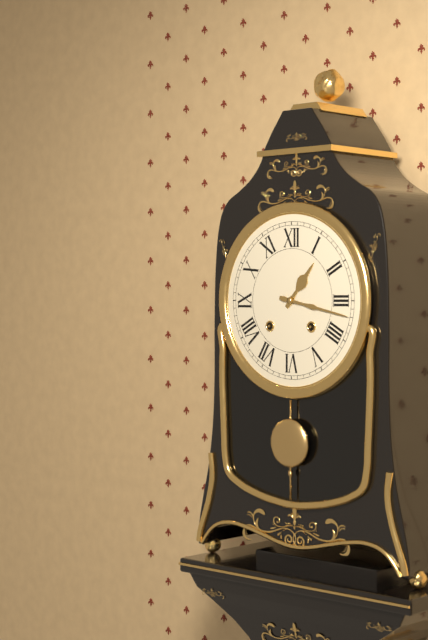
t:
1 h 17 min
